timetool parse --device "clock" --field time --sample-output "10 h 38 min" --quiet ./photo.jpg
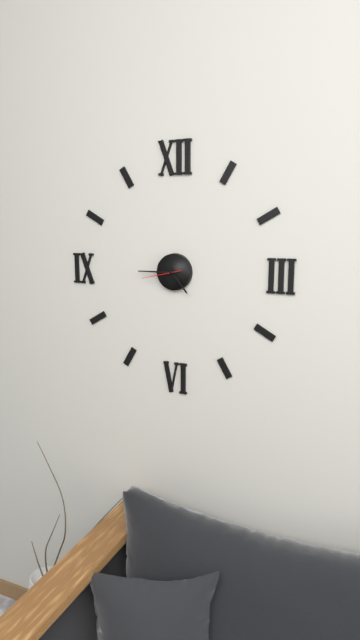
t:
4 h 45 min
